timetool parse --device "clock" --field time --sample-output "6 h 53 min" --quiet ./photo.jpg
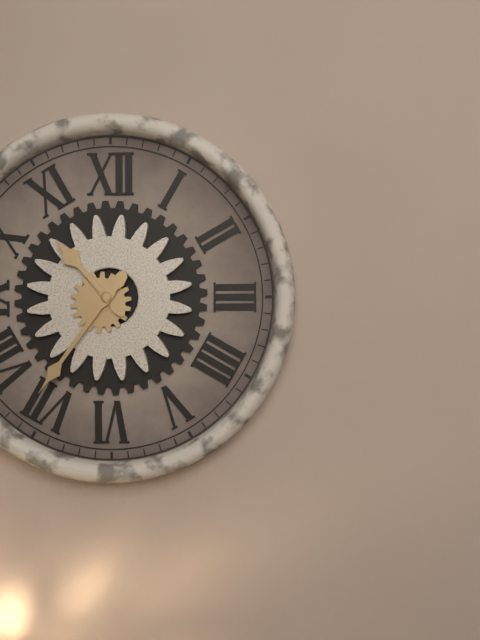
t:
10 h 36 min
